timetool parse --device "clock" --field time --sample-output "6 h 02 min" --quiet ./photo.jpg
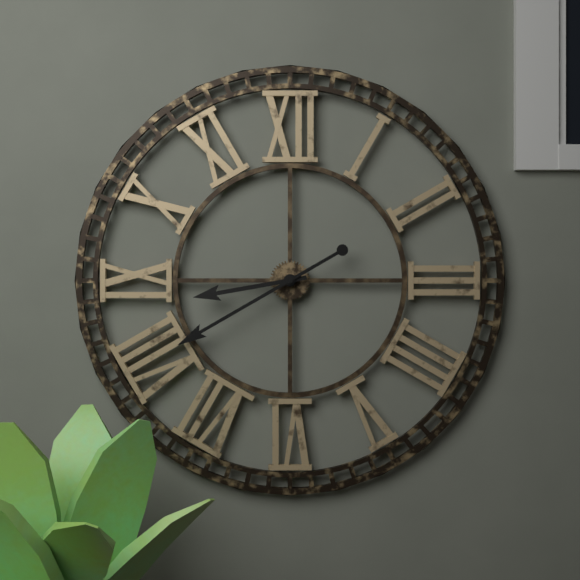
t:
8 h 40 min
